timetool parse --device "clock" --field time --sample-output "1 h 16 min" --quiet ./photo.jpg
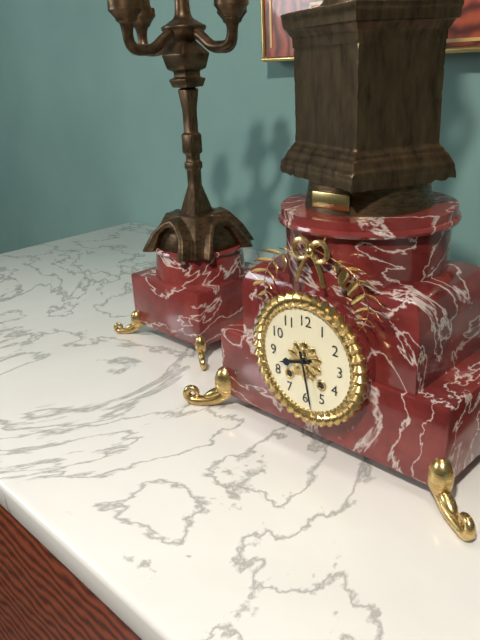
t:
8 h 28 min
